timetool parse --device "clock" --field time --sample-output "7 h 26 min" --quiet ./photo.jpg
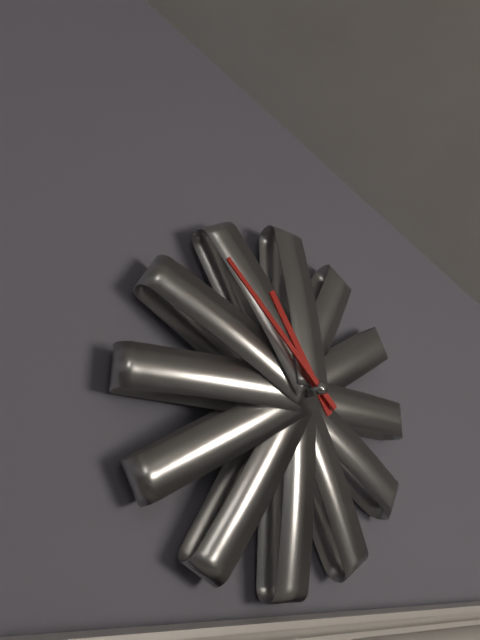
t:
10 h 52 min
